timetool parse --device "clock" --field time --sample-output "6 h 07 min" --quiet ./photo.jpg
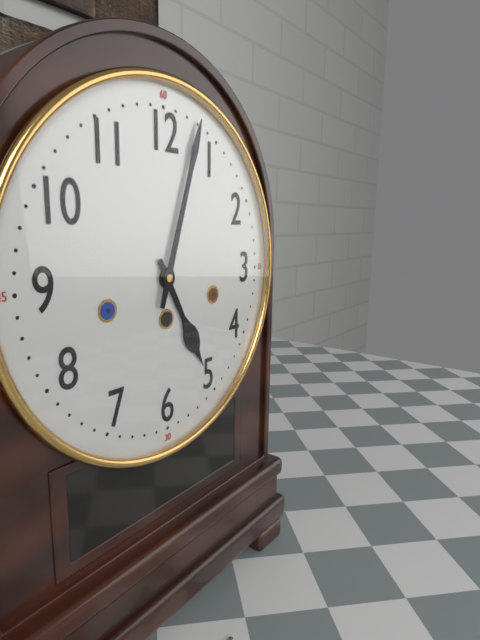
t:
5 h 03 min
